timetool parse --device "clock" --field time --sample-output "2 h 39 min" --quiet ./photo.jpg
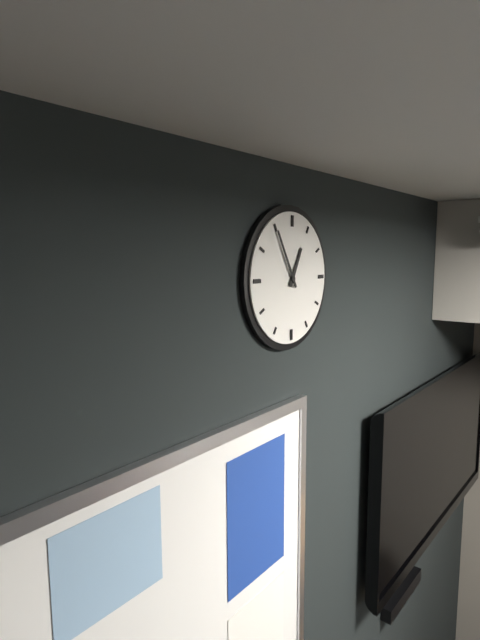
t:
12 h 55 min
